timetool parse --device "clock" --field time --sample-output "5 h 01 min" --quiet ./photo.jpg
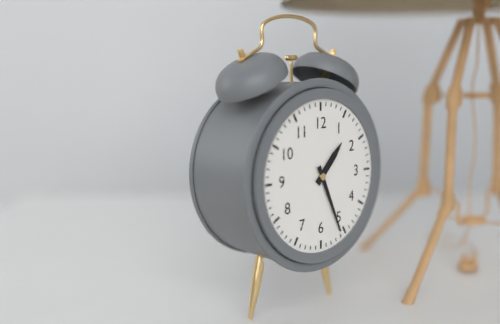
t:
1 h 26 min
